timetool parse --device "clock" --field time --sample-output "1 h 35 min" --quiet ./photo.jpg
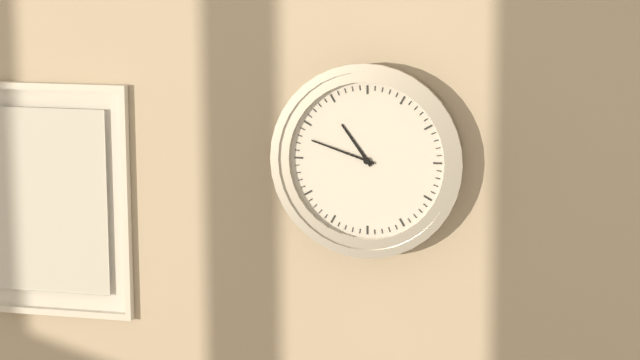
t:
10 h 48 min
